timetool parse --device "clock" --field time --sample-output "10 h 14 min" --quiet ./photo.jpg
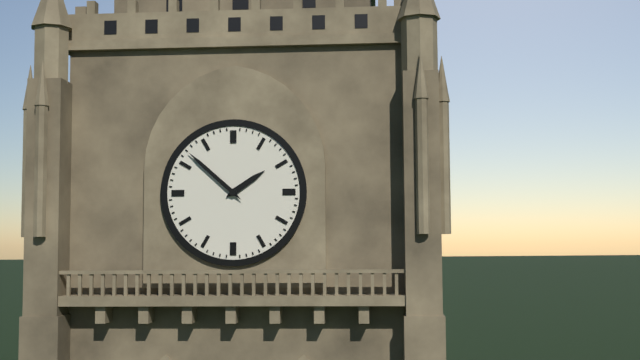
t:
1 h 52 min
